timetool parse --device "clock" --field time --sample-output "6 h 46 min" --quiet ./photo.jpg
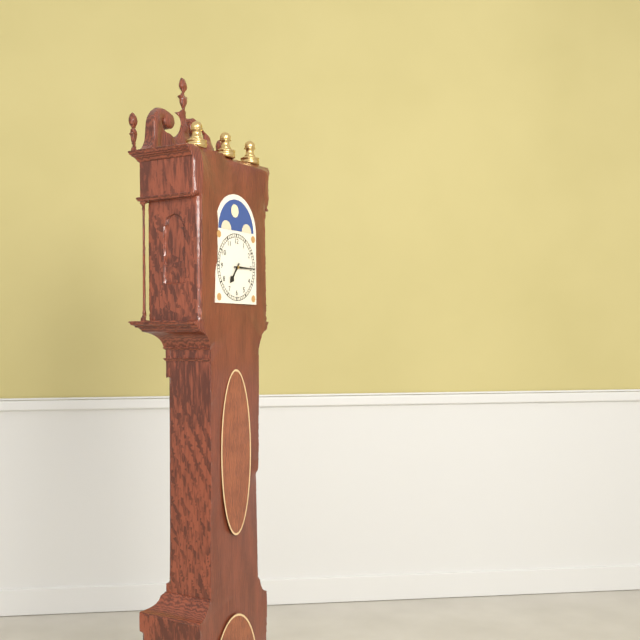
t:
7 h 15 min
